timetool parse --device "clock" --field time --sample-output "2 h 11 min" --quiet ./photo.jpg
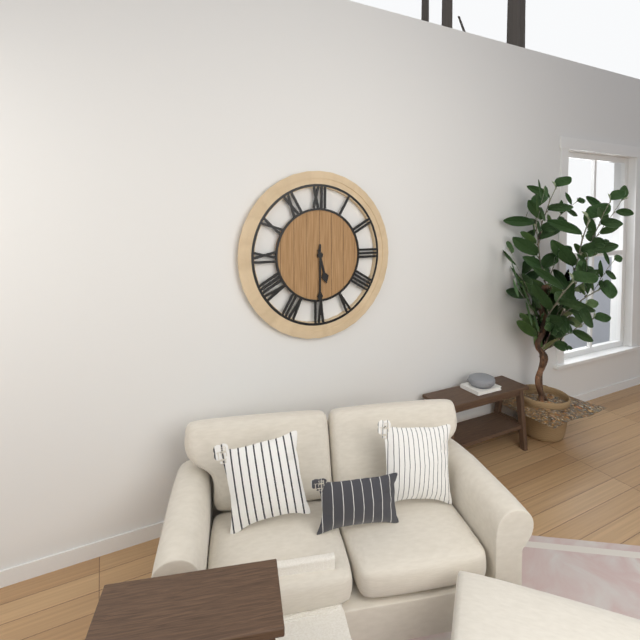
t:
5 h 30 min
